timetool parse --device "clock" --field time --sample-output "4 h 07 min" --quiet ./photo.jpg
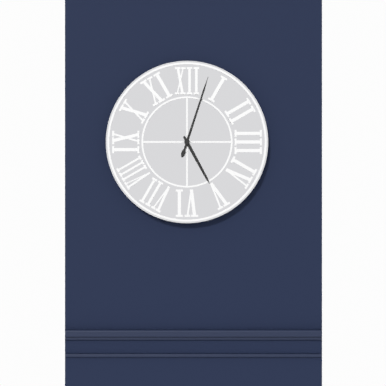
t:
5 h 03 min
